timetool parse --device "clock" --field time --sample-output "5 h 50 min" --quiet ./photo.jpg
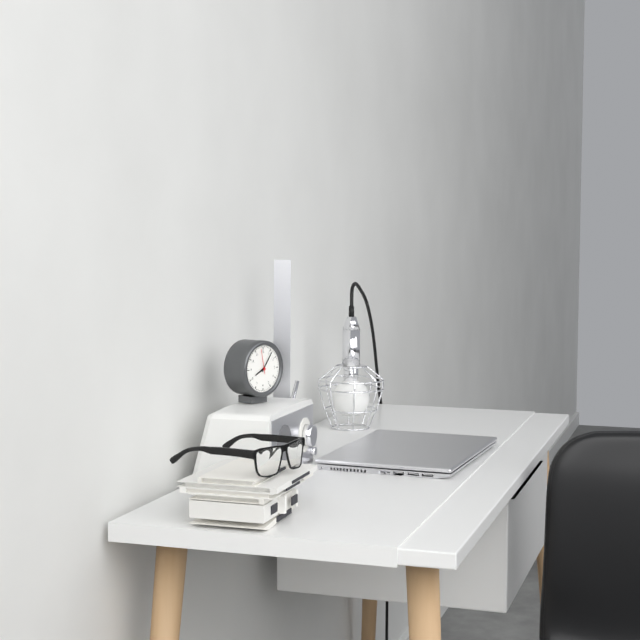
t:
8 h 06 min
